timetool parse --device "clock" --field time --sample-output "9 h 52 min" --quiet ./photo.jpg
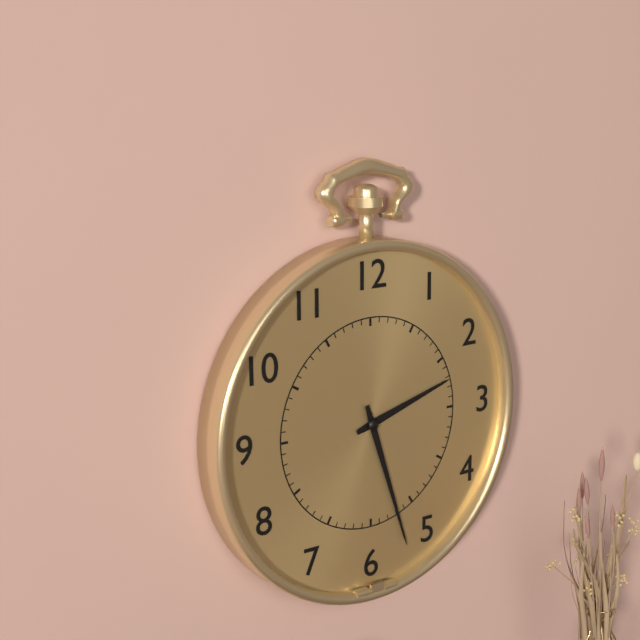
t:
2 h 27 min
